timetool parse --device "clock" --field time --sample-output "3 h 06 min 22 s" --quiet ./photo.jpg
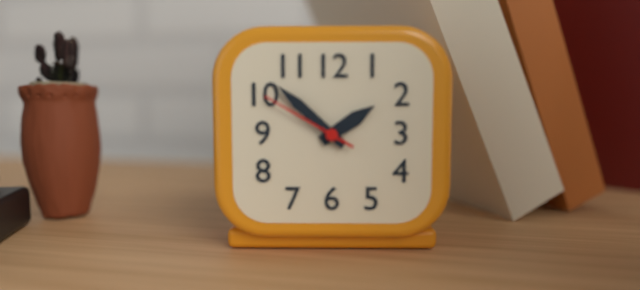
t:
1 h 52 min 50 s
